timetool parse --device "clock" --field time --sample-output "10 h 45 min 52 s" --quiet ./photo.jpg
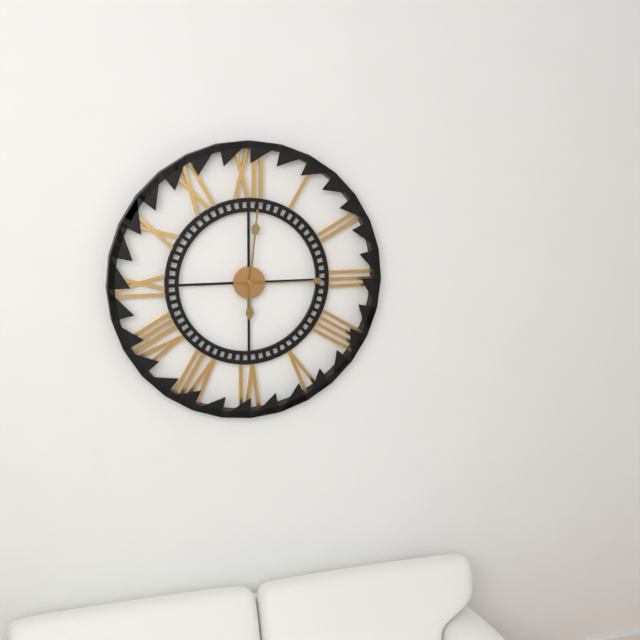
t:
6 h 01 min 15 s
